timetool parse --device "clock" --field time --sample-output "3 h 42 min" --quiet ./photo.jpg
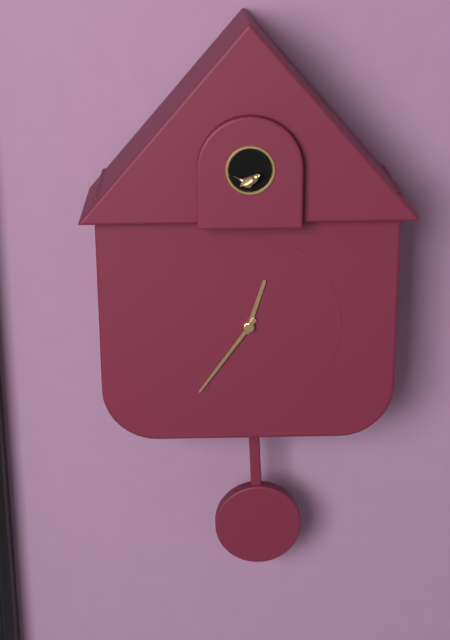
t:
12 h 36 min
